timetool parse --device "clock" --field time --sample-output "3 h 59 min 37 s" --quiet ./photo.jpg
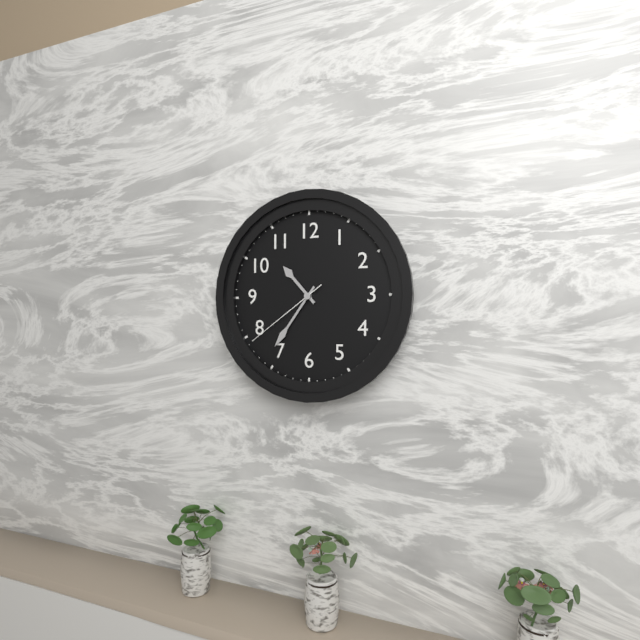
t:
10 h 36 min 39 s
